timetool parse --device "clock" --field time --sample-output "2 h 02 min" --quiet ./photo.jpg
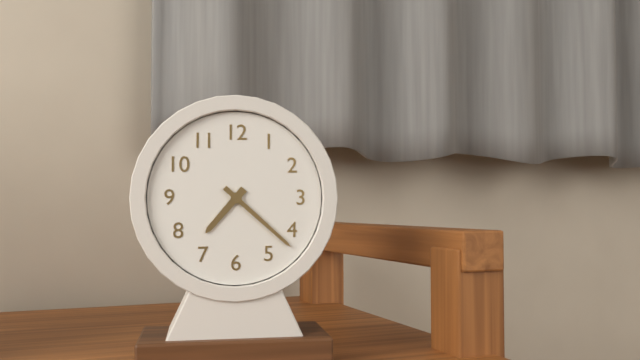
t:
7 h 22 min
